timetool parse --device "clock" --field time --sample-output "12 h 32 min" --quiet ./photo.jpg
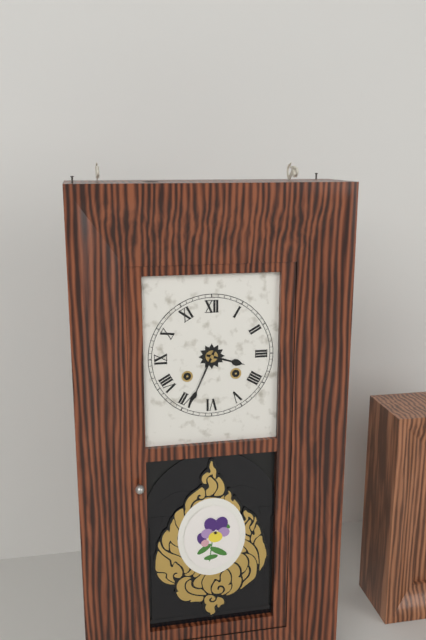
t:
3 h 34 min
